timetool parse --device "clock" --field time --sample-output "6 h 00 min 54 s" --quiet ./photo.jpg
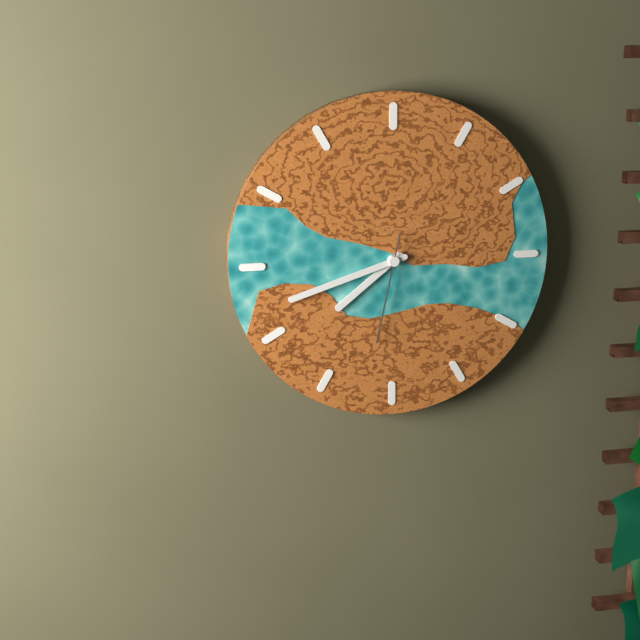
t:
7 h 42 min 32 s
